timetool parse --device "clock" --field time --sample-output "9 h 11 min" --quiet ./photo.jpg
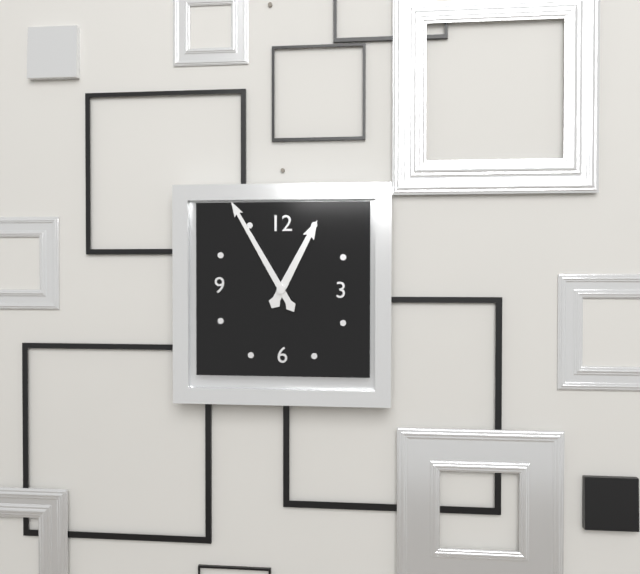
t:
12 h 55 min
